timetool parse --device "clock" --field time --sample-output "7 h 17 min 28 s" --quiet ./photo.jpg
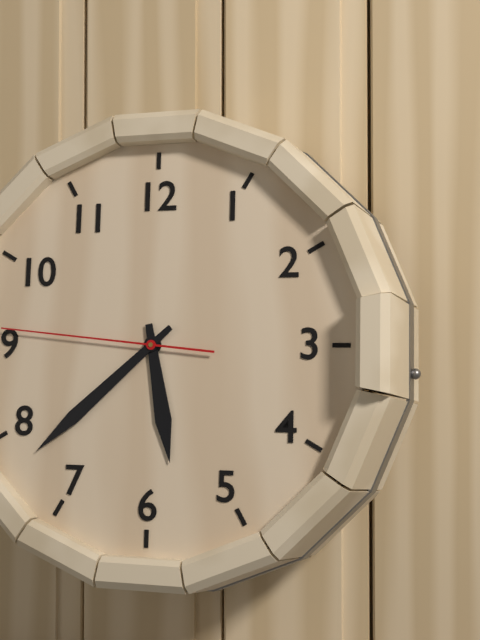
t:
5 h 38 min 46 s
